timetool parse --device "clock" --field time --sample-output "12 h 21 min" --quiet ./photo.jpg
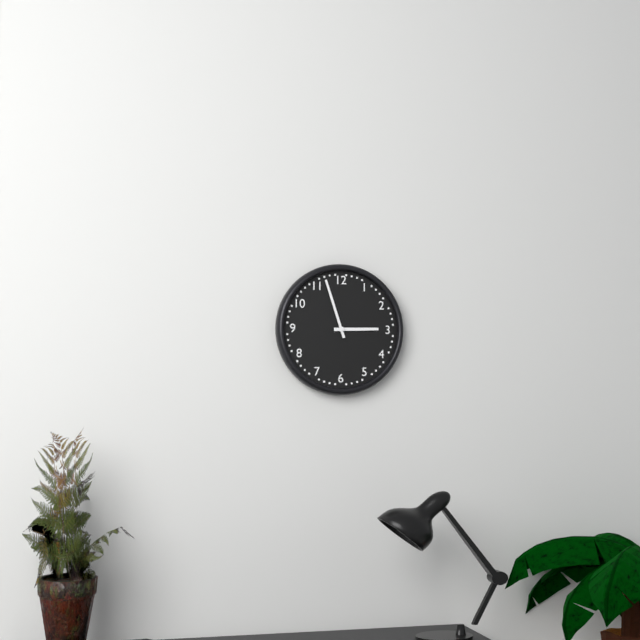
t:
2 h 57 min
